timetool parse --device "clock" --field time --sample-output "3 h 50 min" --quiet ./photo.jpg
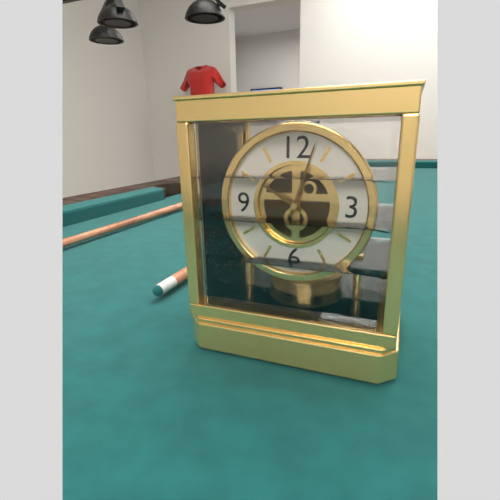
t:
10 h 03 min
